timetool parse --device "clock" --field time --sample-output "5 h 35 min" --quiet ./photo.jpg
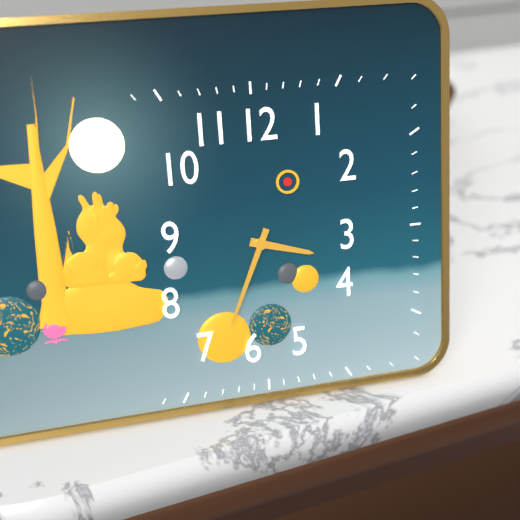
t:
3 h 34 min
